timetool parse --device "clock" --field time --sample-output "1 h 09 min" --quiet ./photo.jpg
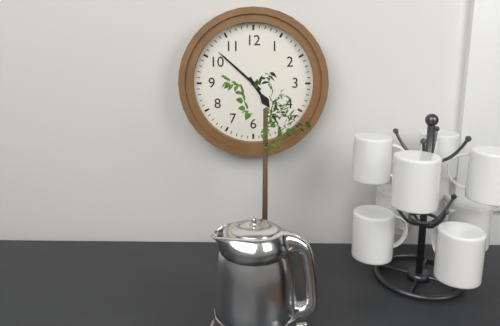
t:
4 h 52 min
